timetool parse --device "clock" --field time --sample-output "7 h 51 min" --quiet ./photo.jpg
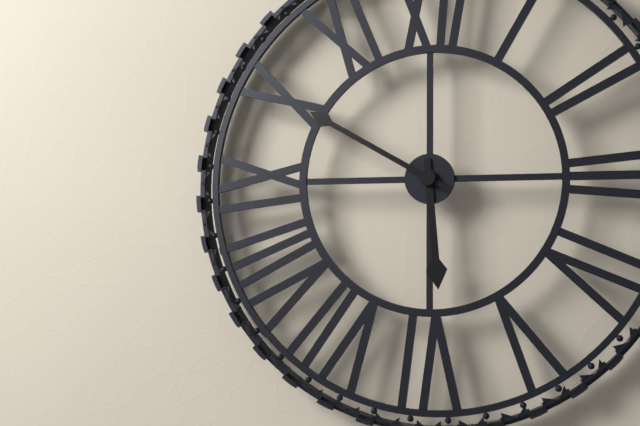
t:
5 h 50 min
